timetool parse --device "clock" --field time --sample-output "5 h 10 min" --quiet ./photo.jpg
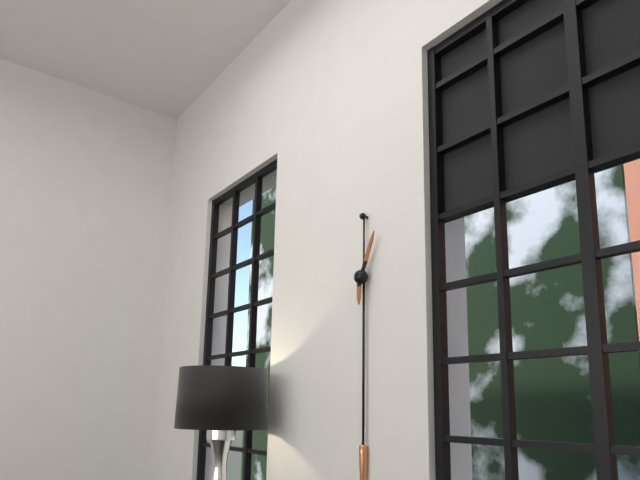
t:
6 h 04 min
